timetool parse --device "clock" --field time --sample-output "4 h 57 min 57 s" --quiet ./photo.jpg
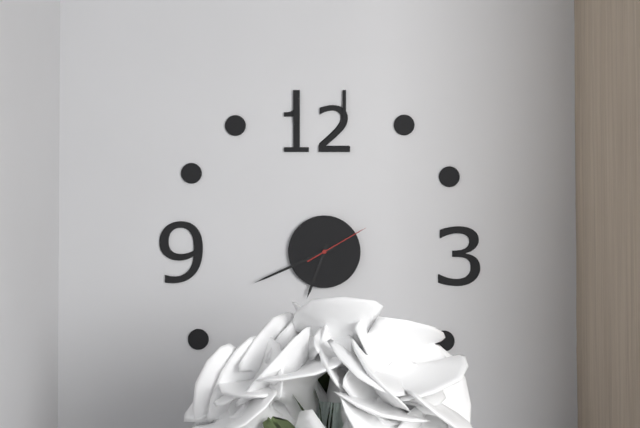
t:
6 h 41 min 10 s
